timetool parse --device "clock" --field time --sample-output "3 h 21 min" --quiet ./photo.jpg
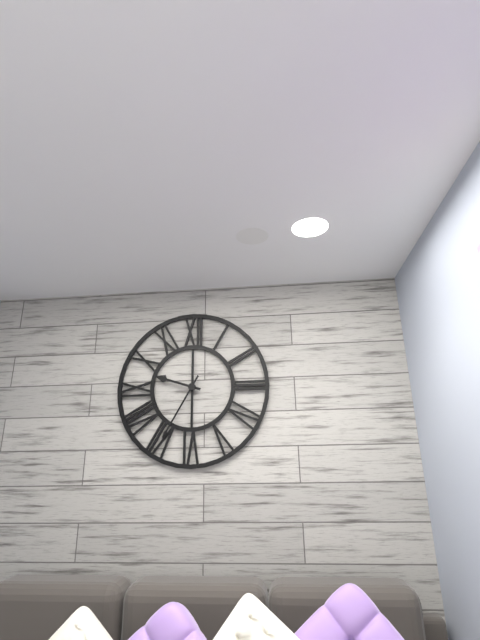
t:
9 h 35 min
